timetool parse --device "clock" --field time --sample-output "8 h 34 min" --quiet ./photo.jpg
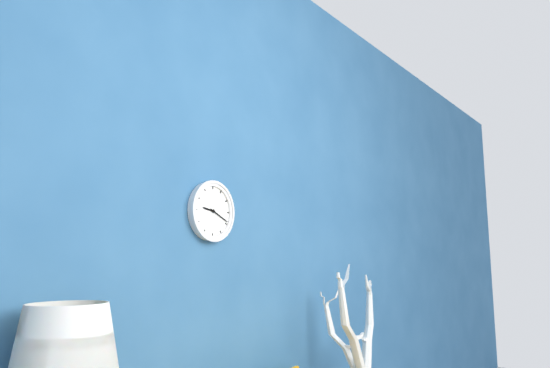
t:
9 h 19 min
